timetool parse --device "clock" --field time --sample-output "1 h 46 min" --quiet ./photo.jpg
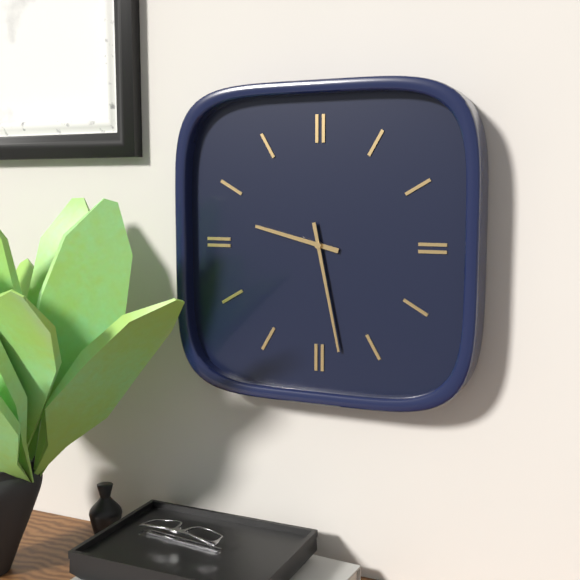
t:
9 h 28 min
